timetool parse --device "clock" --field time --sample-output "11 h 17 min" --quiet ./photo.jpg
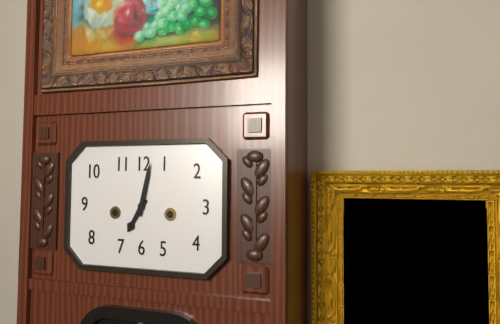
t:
7 h 02 min
